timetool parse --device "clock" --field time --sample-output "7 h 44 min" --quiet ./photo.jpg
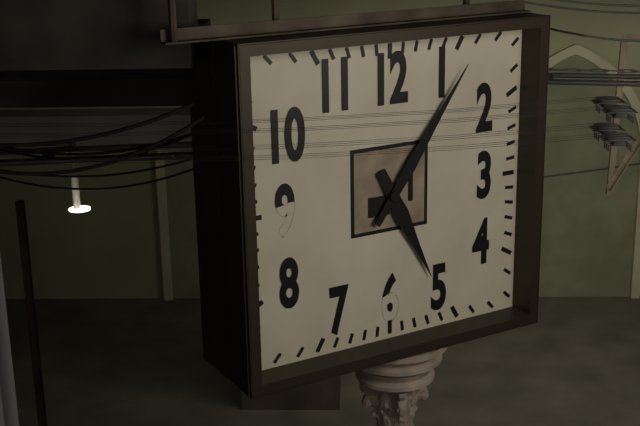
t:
5 h 06 min
